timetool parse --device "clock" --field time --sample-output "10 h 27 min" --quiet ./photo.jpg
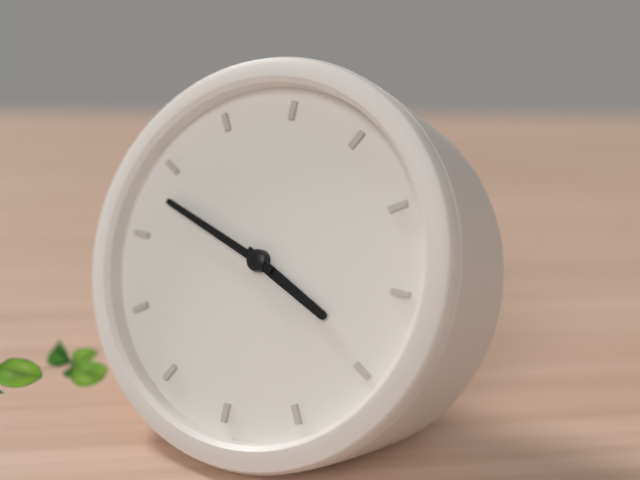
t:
3 h 48 min
